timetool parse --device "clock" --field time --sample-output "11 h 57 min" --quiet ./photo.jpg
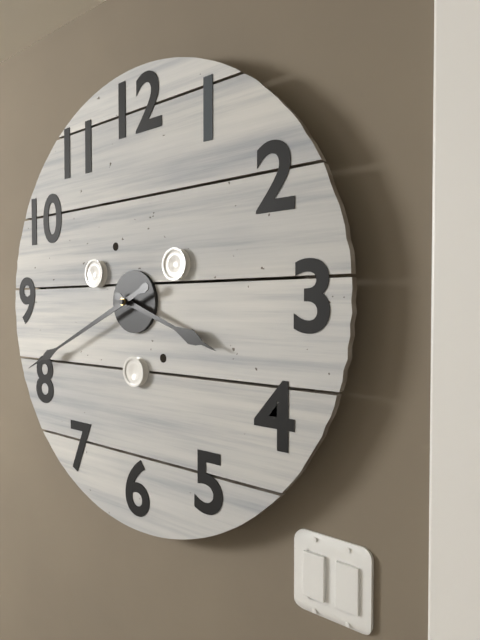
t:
3 h 41 min
